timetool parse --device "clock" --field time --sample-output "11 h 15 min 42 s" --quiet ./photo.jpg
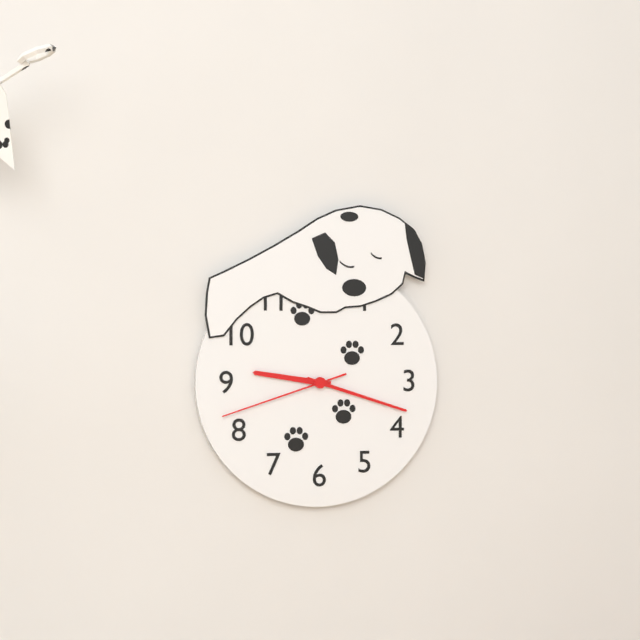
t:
9 h 18 min 42 s
